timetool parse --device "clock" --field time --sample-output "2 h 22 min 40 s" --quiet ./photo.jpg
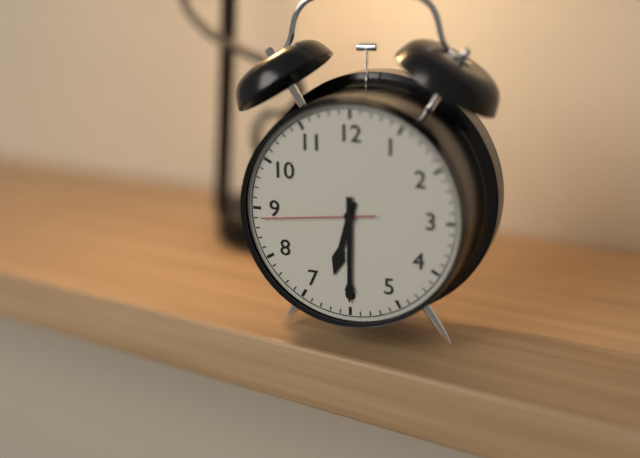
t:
6 h 30 min 44 s
